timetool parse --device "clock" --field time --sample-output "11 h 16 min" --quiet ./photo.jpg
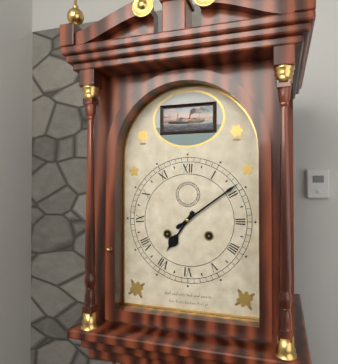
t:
7 h 09 min
